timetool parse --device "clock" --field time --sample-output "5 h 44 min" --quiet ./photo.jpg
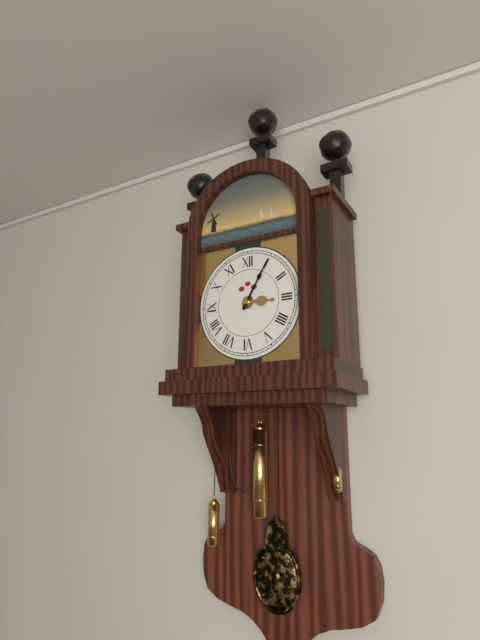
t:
3 h 05 min
